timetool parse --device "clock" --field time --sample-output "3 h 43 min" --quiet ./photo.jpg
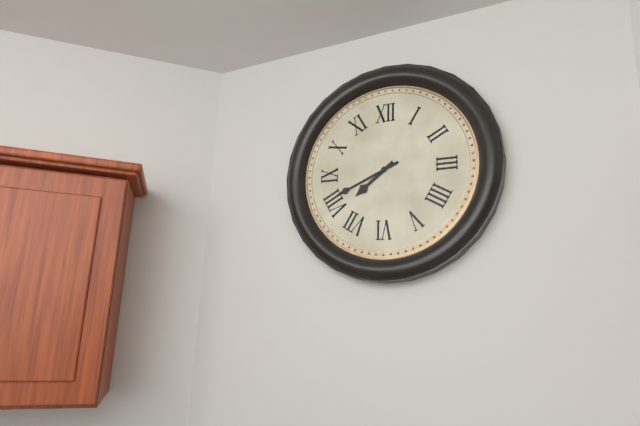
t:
7 h 41 min
